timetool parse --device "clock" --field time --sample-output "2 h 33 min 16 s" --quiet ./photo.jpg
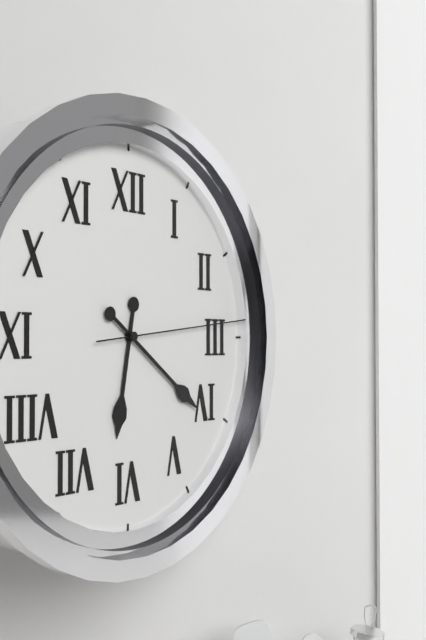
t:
6 h 21 min 14 s
